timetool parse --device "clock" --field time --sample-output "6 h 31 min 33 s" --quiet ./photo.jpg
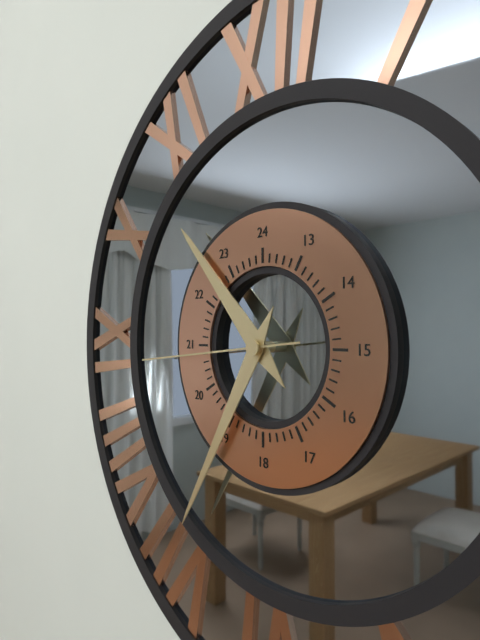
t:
10 h 35 min 44 s
